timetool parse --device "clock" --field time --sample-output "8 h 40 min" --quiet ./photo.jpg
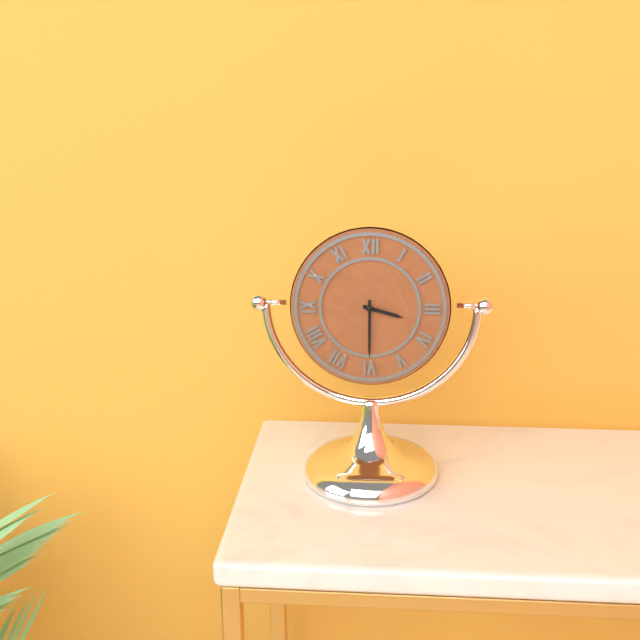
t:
3 h 30 min
